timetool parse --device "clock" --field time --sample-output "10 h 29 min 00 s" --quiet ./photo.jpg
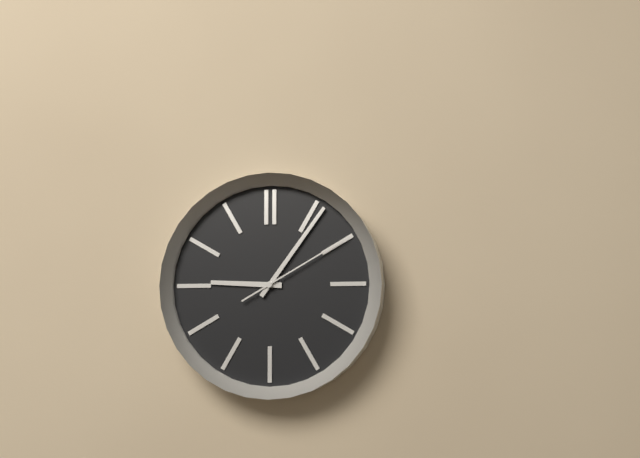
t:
9 h 06 min 10 s
